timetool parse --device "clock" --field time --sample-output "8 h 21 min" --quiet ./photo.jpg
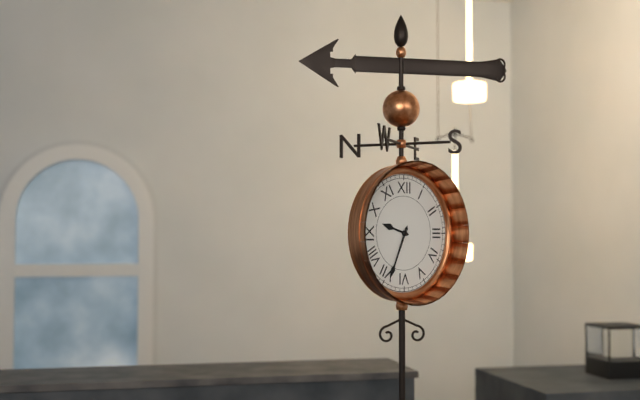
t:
9 h 34 min
